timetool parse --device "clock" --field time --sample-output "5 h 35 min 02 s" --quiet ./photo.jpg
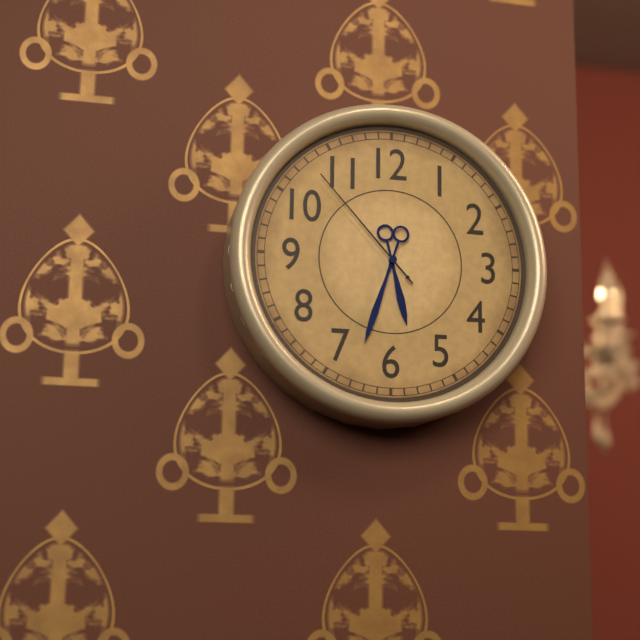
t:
5 h 33 min 53 s
